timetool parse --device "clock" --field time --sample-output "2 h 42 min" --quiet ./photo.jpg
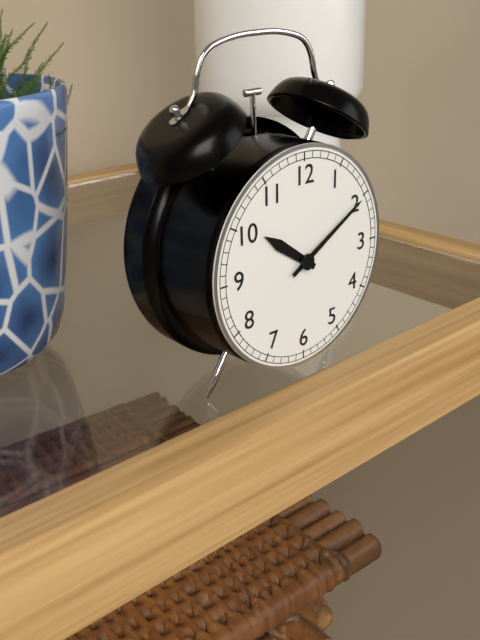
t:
10 h 10 min
